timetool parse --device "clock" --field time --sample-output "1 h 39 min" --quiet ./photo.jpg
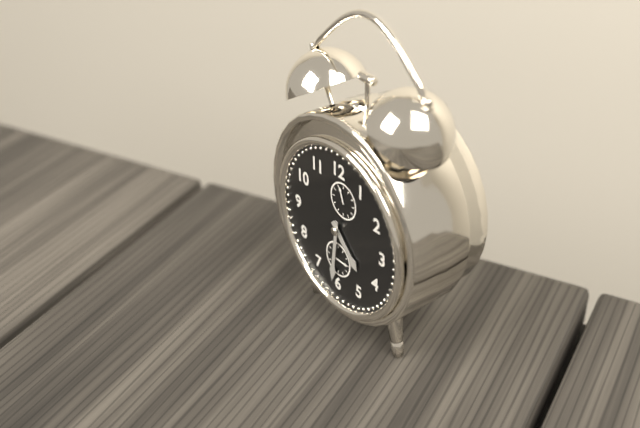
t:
4 h 31 min
